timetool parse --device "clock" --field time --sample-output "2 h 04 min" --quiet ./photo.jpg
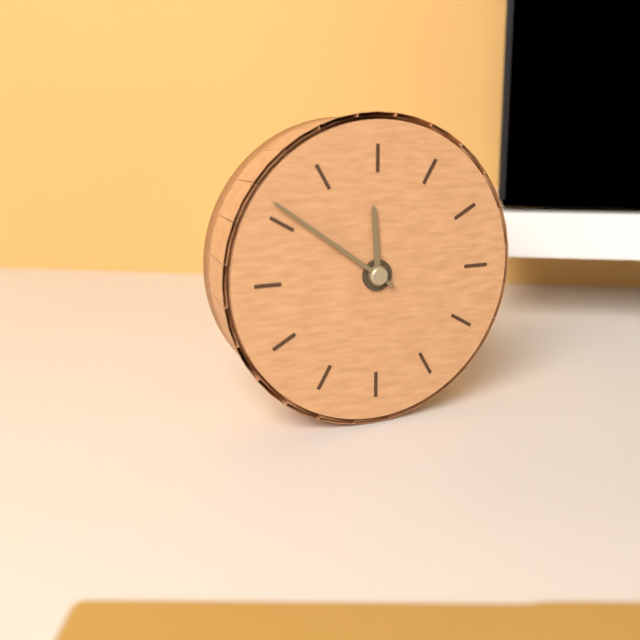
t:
11 h 51 min
